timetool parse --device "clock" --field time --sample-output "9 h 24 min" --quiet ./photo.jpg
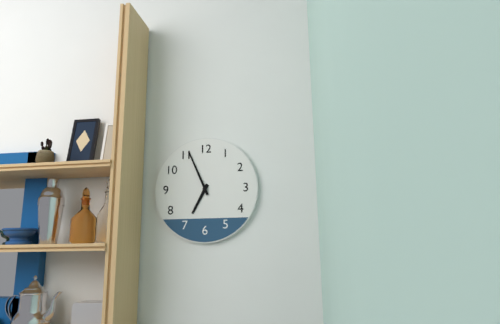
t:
6 h 56 min
